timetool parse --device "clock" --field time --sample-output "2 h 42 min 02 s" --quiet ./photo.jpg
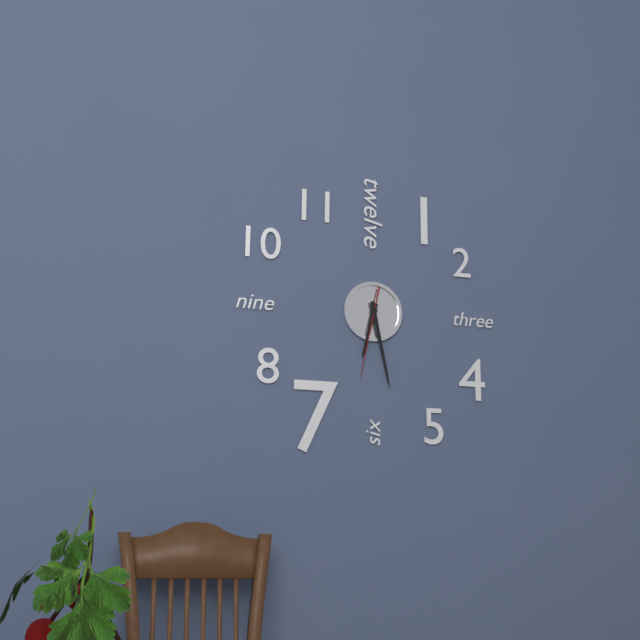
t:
6 h 28 min 32 s
